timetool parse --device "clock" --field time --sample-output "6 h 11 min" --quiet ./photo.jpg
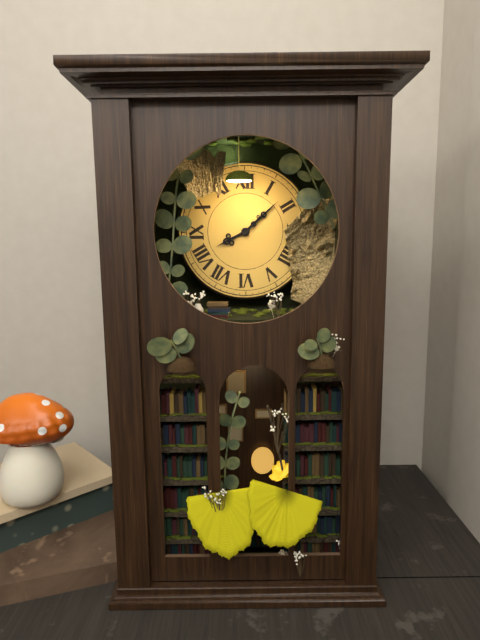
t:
8 h 08 min
